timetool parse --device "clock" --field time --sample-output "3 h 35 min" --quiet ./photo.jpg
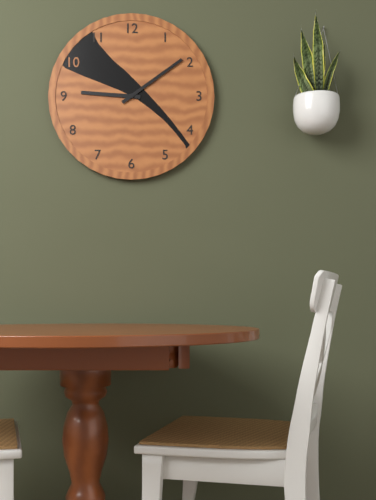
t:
9 h 09 min
